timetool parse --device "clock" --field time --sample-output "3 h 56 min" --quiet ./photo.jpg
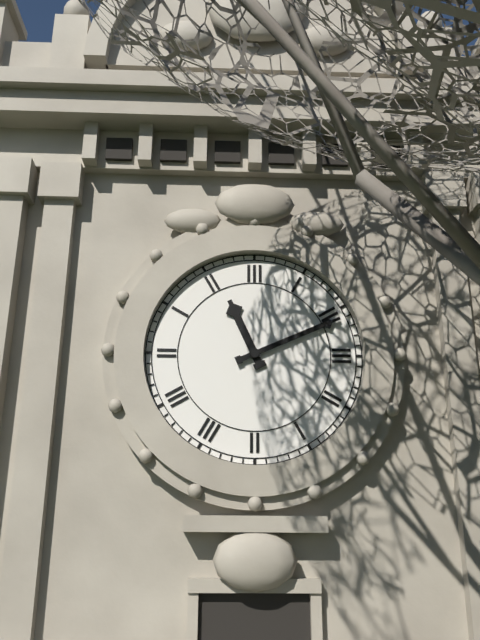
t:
11 h 11 min
